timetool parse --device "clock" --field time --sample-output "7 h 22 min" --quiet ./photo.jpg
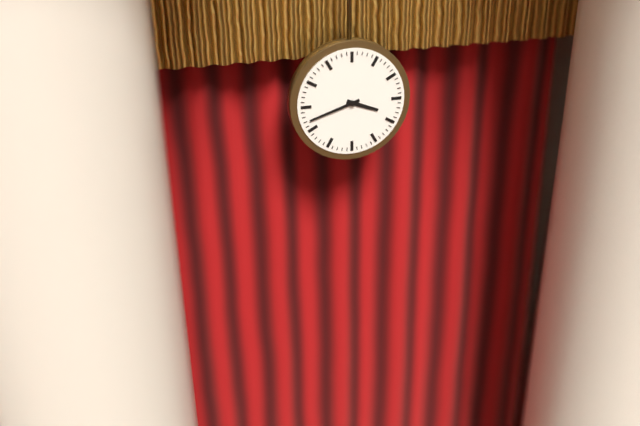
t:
3 h 42 min
